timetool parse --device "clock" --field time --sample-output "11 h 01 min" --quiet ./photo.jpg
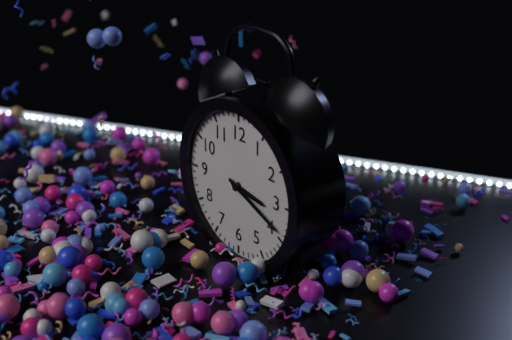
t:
3 h 19 min
